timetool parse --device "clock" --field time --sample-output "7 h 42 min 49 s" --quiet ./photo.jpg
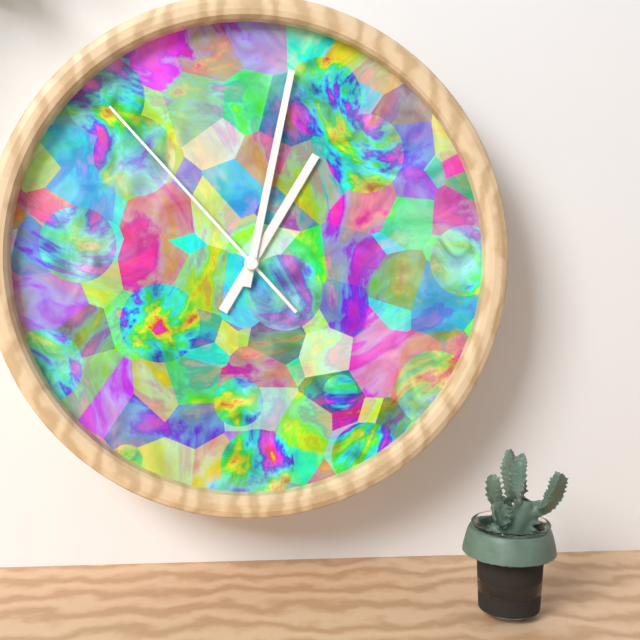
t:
1 h 02 min 53 s
